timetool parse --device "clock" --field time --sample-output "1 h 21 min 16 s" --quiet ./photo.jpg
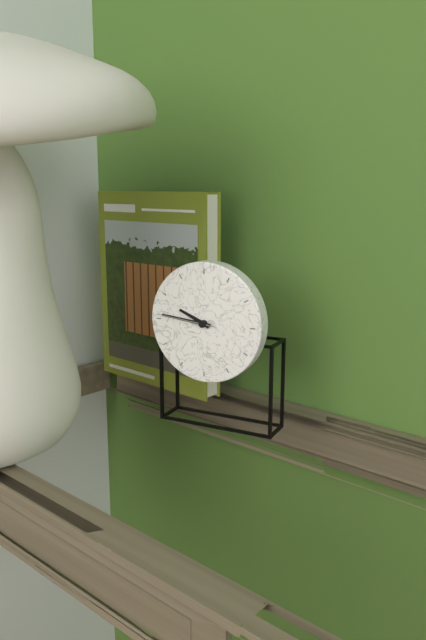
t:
9 h 46 min 46 s
